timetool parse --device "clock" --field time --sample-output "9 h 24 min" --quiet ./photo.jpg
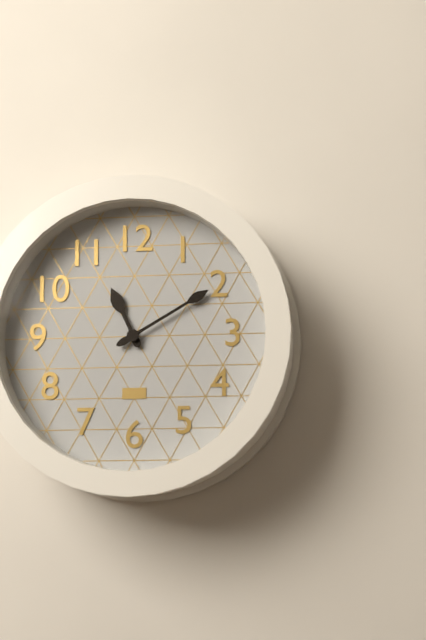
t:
11 h 10 min
